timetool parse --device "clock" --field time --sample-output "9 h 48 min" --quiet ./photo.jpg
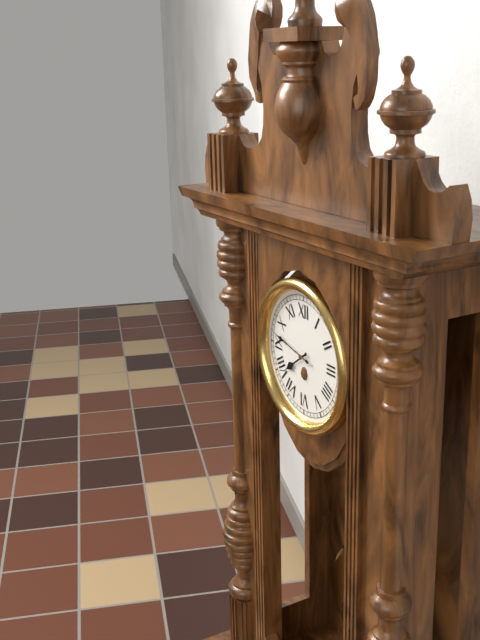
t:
7 h 47 min
